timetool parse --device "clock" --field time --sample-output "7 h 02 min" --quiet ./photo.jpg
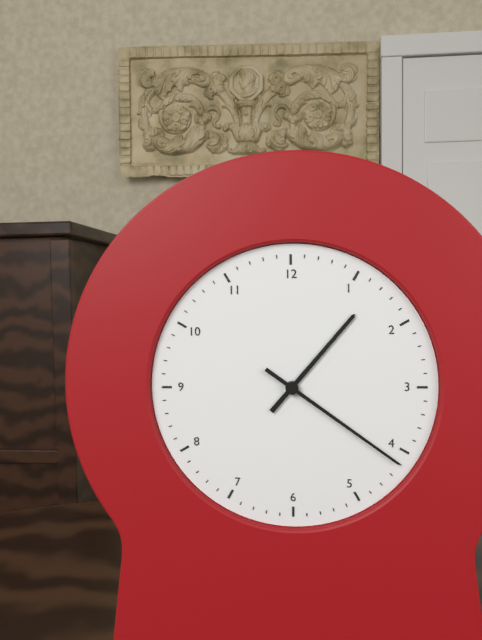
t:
1 h 21 min
